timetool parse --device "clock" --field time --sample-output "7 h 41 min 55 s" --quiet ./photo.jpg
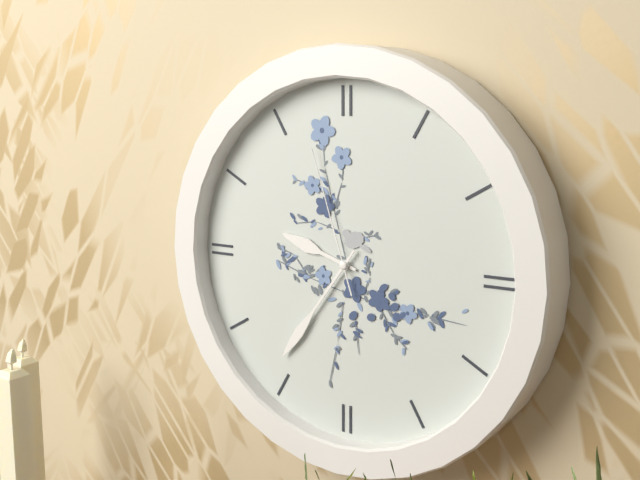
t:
9 h 36 min 57 s
